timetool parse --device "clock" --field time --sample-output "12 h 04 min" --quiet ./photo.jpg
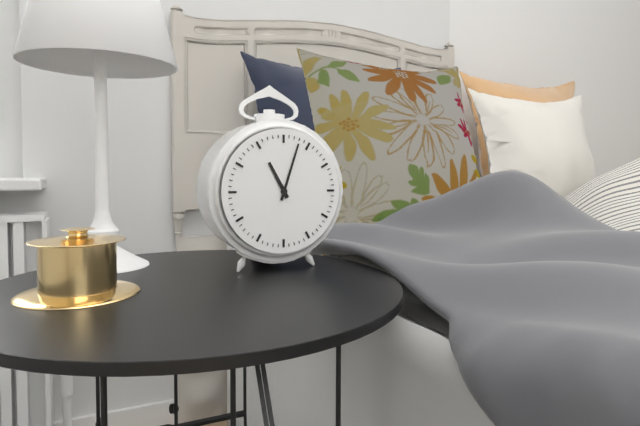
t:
11 h 03 min
